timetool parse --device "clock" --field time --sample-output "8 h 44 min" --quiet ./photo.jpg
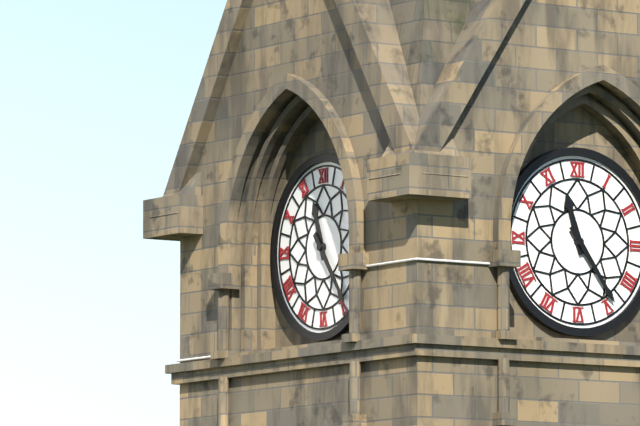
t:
11 h 24 min
